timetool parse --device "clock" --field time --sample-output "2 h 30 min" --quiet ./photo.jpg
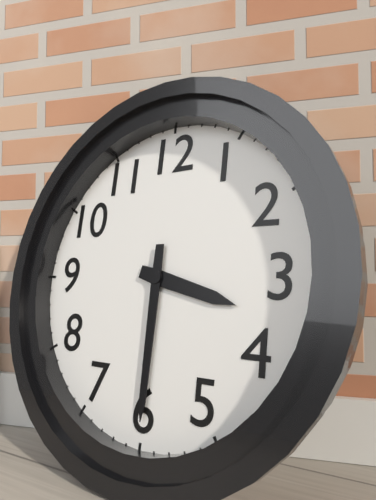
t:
3 h 30 min
